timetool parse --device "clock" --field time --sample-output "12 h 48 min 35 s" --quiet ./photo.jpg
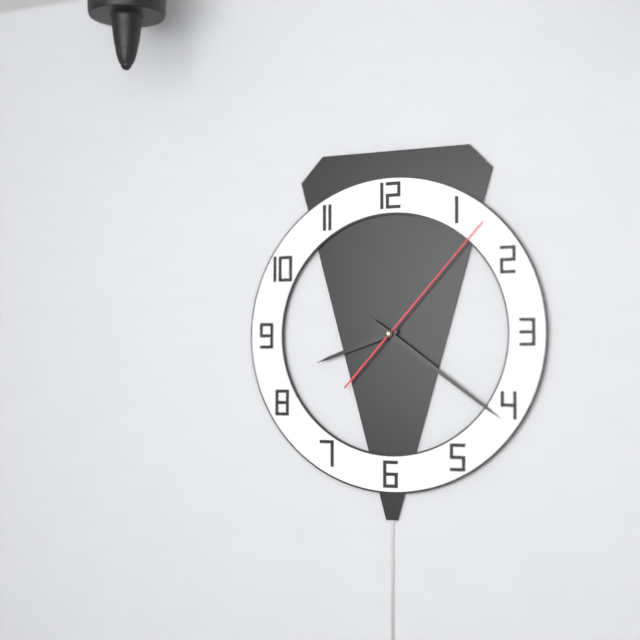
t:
8 h 21 min 07 s
